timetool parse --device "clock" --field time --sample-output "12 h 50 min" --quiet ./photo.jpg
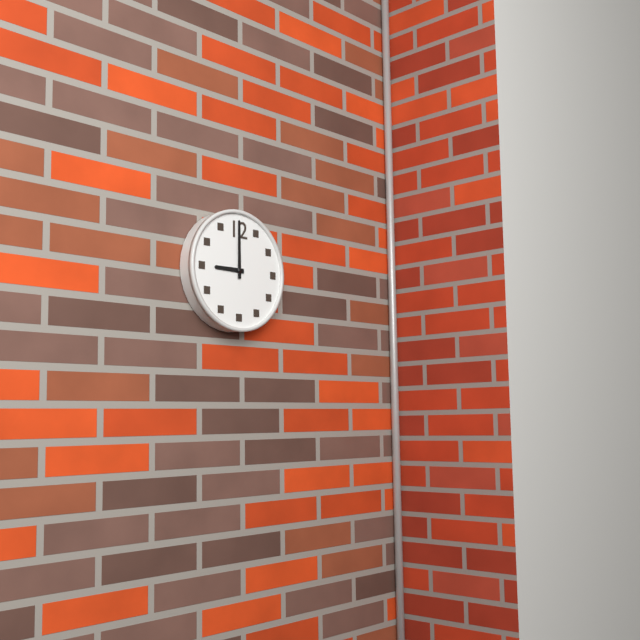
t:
9 h 00 min
